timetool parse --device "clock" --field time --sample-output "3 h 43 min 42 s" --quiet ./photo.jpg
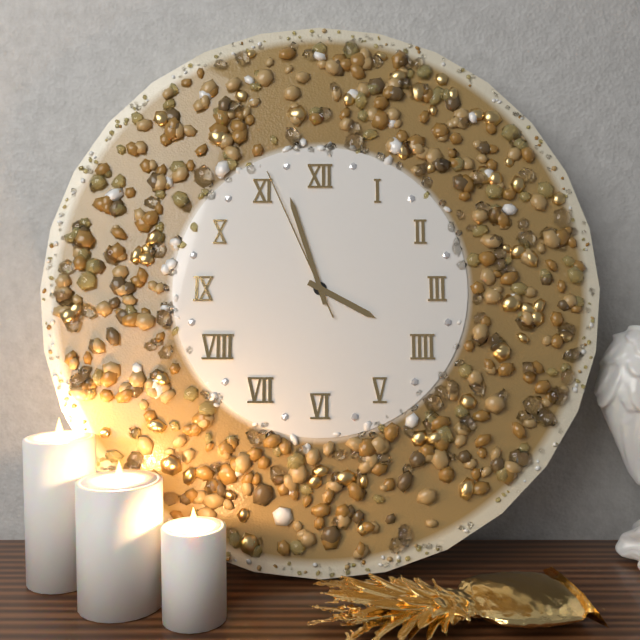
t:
3 h 57 min 56 s
